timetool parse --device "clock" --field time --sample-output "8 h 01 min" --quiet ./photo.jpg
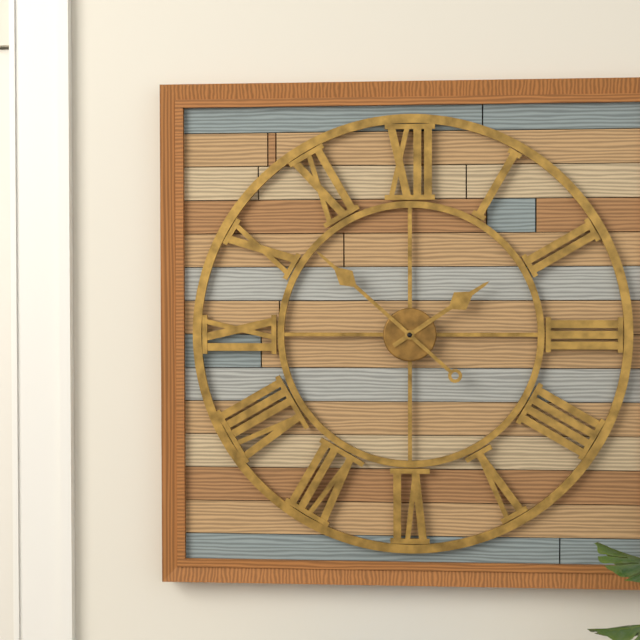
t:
1 h 52 min
